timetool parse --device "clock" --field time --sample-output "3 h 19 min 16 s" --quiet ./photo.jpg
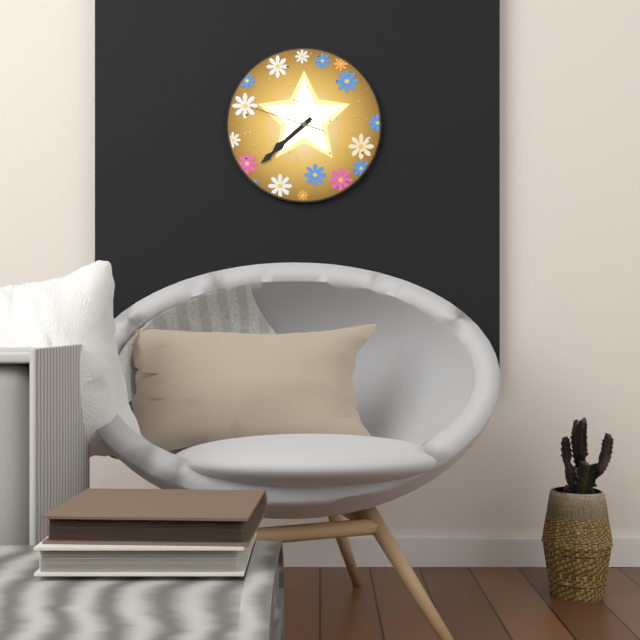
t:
7 h 38 min 48 s
